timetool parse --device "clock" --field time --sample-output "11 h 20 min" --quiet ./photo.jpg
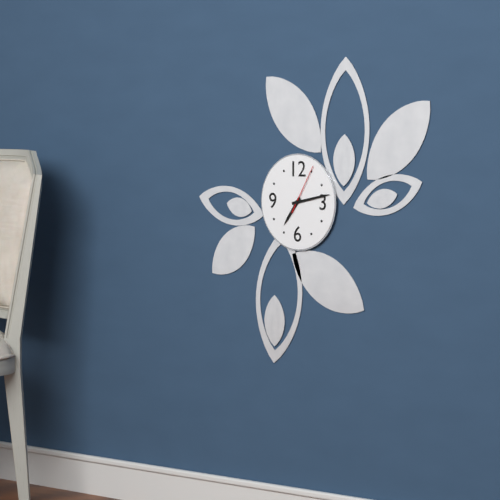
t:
7 h 13 min
